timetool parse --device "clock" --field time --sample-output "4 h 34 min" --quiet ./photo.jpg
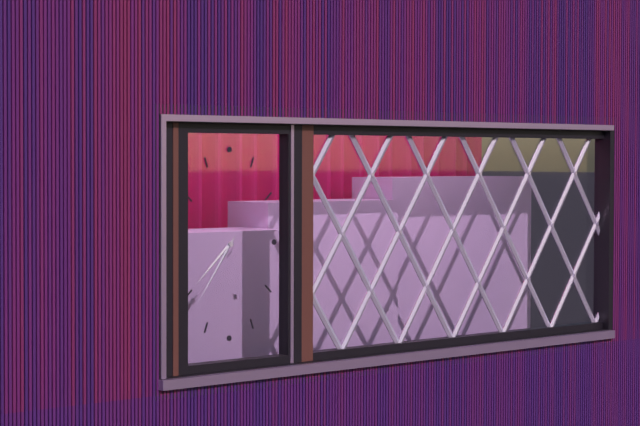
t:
7 h 36 min
